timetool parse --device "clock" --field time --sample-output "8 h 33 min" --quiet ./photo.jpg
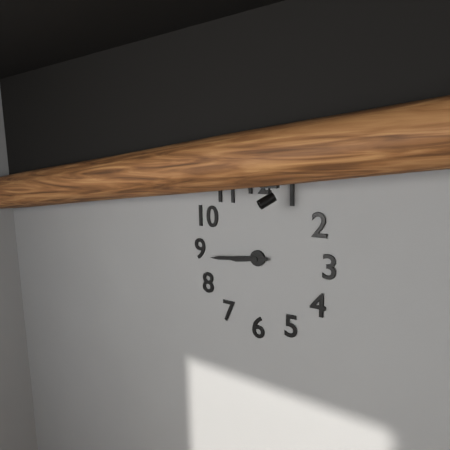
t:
8 h 44 min
